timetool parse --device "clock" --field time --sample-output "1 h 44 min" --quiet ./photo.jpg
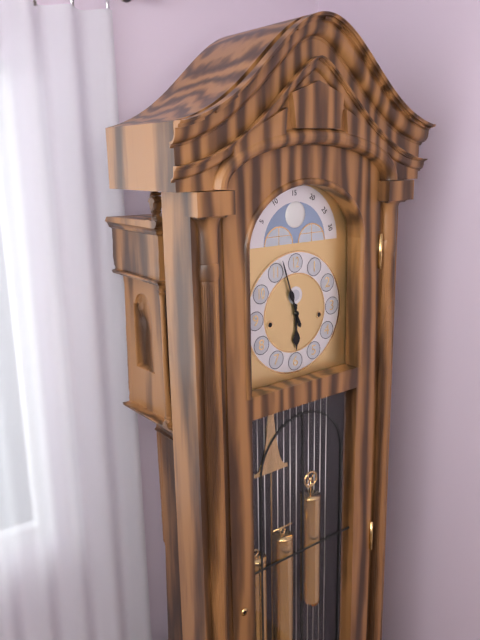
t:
5 h 57 min
